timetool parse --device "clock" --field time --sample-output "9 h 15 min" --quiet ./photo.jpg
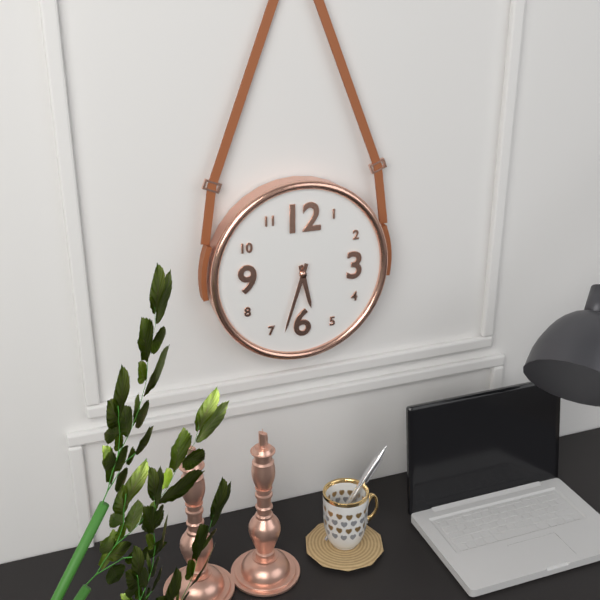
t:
5 h 33 min
